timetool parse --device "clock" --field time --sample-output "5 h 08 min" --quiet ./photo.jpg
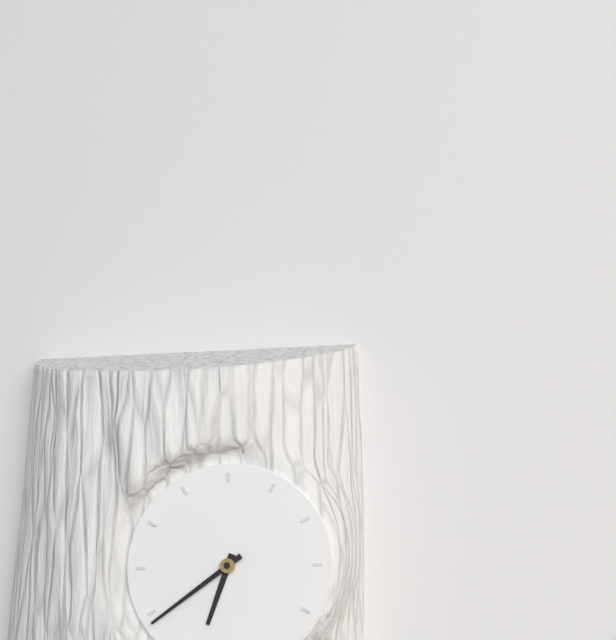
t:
6 h 39 min
